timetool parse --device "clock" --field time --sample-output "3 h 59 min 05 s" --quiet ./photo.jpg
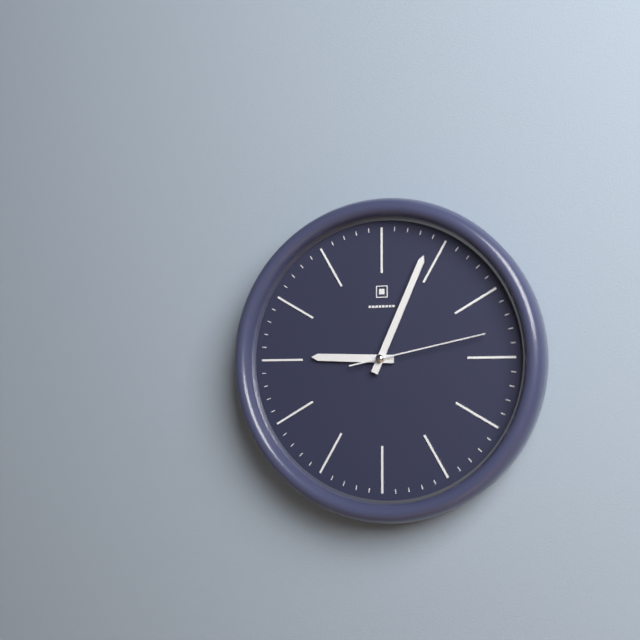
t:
9 h 04 min 13 s
